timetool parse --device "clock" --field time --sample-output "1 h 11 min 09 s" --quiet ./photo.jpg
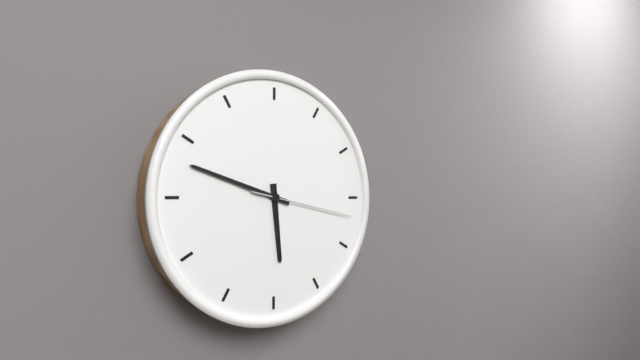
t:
5 h 48 min 17 s
